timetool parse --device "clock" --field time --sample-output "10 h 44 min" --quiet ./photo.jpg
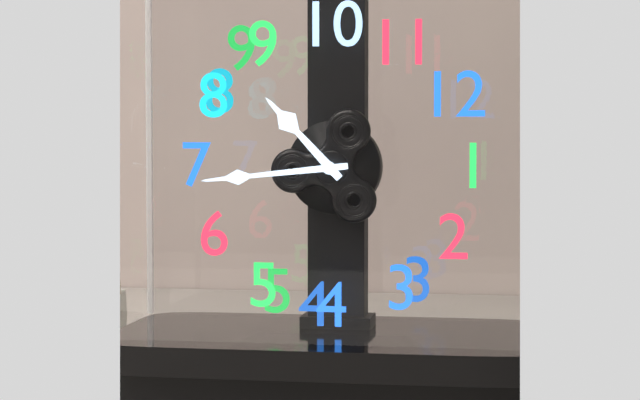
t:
8 h 34 min
